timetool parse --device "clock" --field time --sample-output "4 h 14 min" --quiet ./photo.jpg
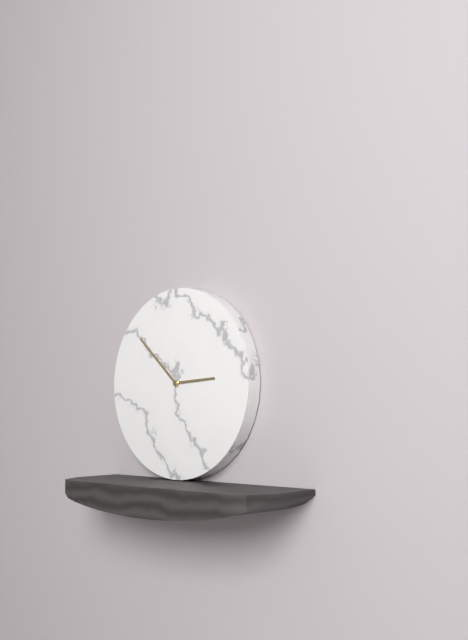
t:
2 h 52 min
